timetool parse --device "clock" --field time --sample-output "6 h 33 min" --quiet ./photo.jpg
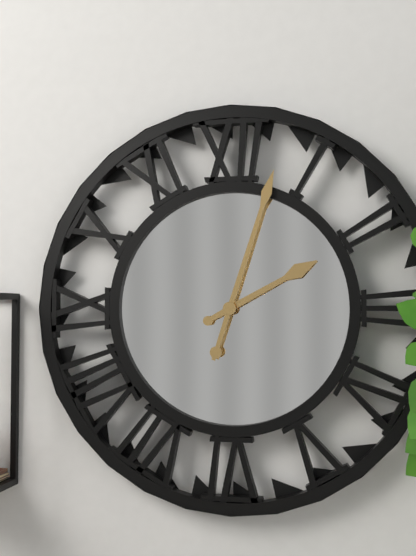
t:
2 h 03 min
